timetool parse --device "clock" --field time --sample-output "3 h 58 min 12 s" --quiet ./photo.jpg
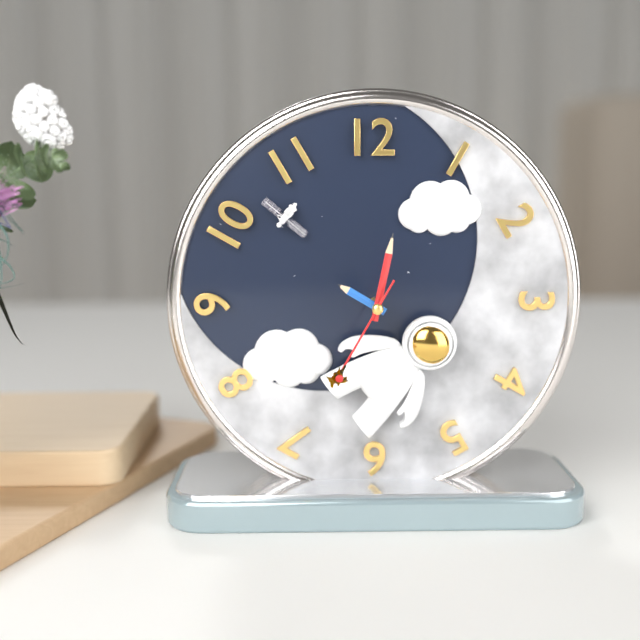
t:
10 h 02 min 35 s
